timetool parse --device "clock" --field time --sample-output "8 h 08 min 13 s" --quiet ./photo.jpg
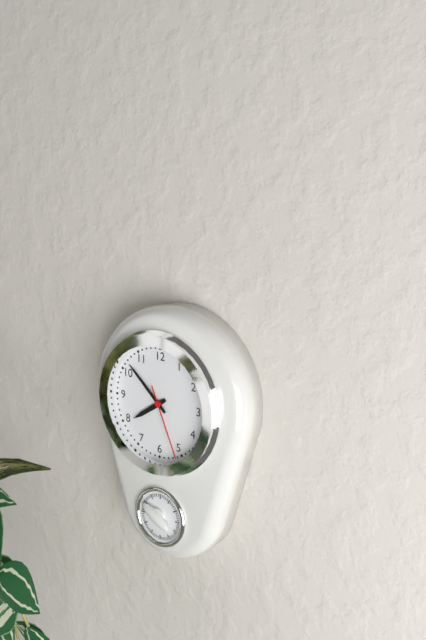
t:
7 h 52 min 26 s
